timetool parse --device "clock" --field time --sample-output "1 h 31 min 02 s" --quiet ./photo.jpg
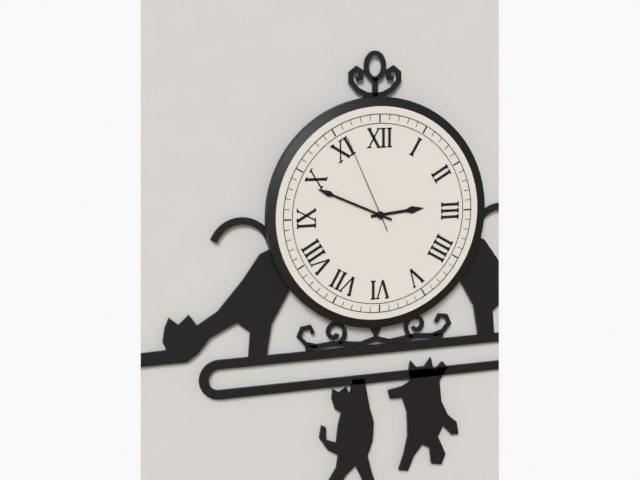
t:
2 h 49 min 56 s
